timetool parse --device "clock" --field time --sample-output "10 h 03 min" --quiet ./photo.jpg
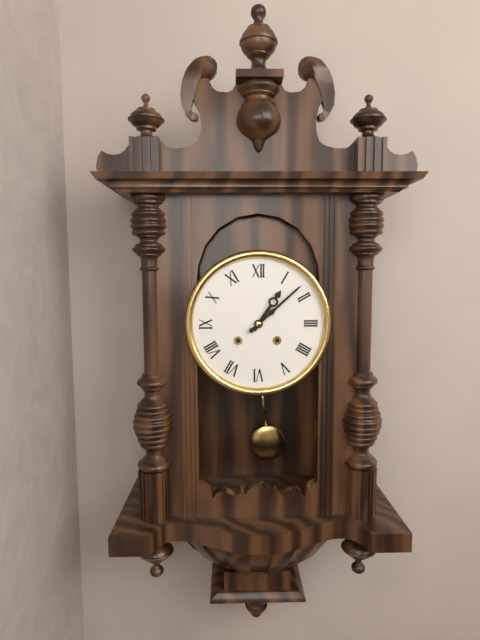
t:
1 h 08 min
